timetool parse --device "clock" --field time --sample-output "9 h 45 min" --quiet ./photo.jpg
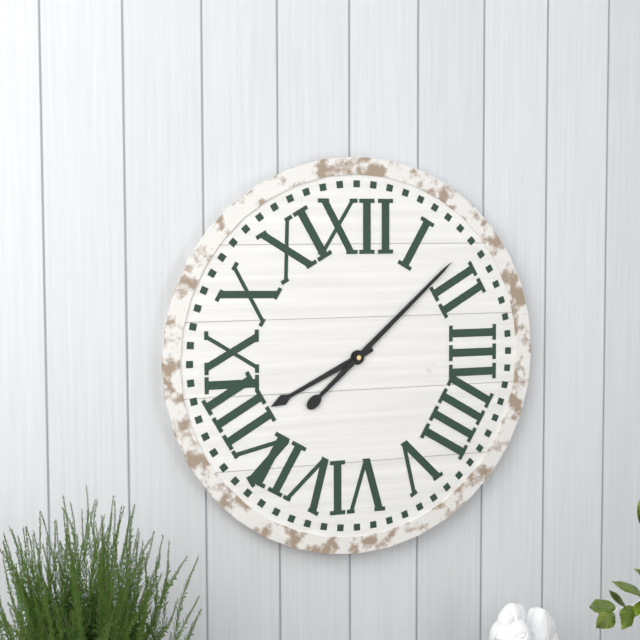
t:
8 h 08 min
